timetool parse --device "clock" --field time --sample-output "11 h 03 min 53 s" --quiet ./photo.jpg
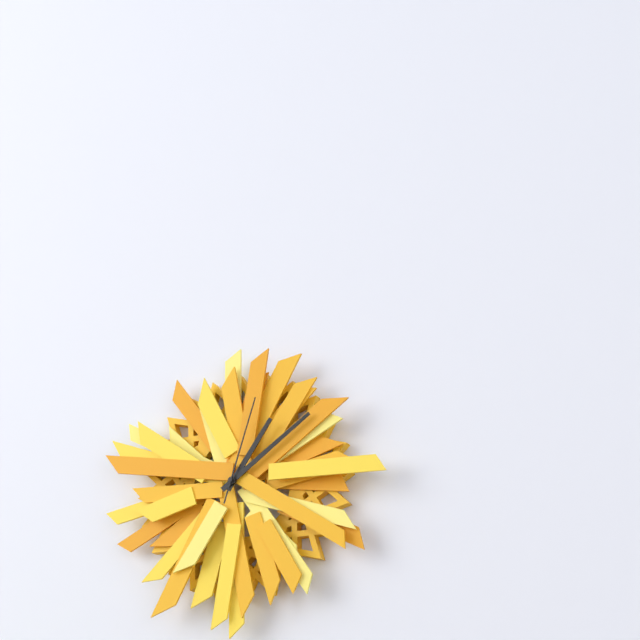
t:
1 h 09 min 03 s
